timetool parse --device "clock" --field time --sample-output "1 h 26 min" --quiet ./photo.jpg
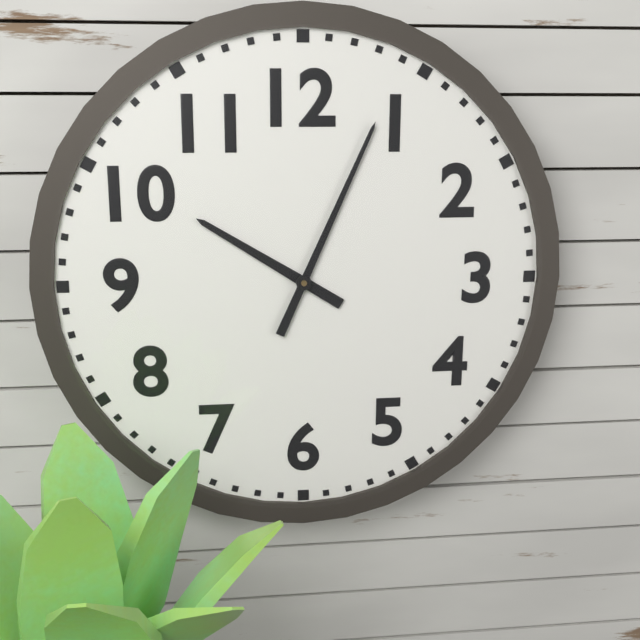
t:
10 h 04 min
